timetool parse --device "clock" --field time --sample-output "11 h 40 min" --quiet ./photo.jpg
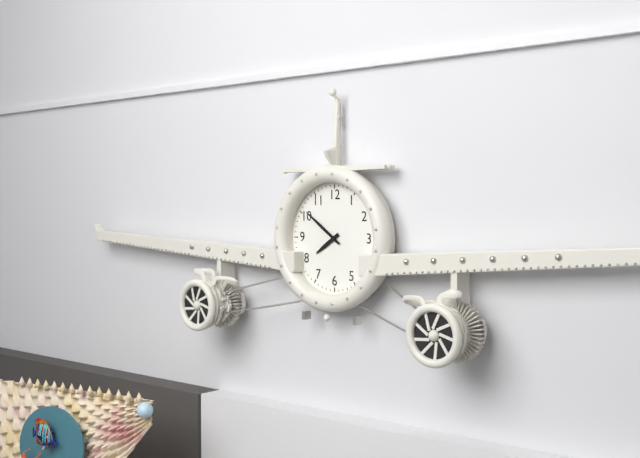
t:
7 h 51 min
